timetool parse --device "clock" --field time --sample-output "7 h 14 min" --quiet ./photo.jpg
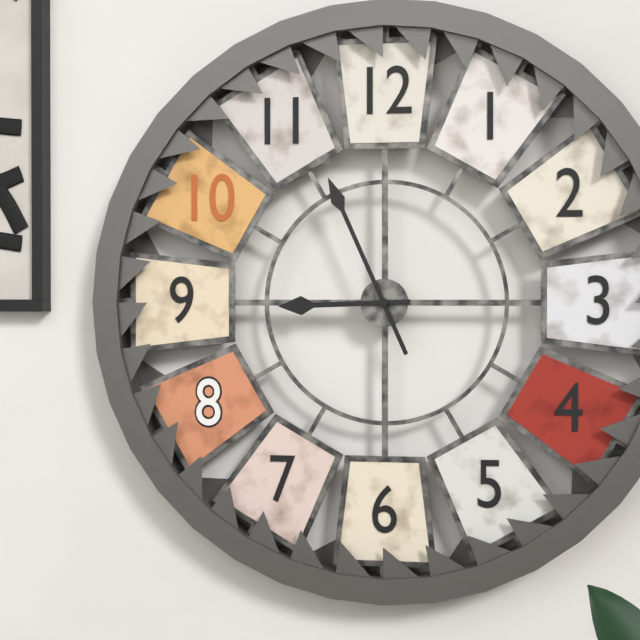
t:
8 h 56 min
